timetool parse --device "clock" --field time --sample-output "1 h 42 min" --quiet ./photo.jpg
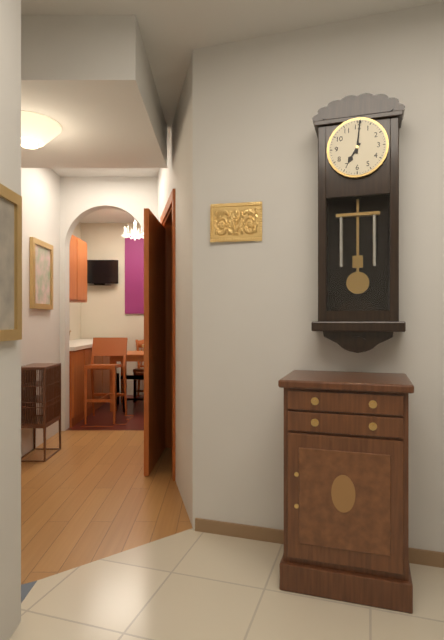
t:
7 h 01 min
